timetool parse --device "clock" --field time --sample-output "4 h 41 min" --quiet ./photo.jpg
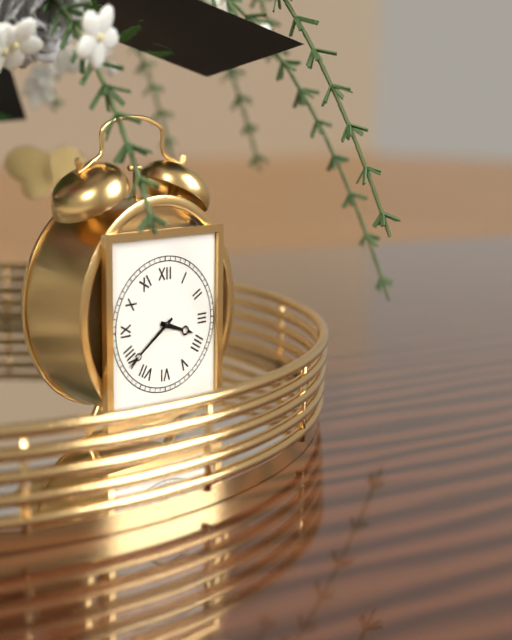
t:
3 h 39 min
